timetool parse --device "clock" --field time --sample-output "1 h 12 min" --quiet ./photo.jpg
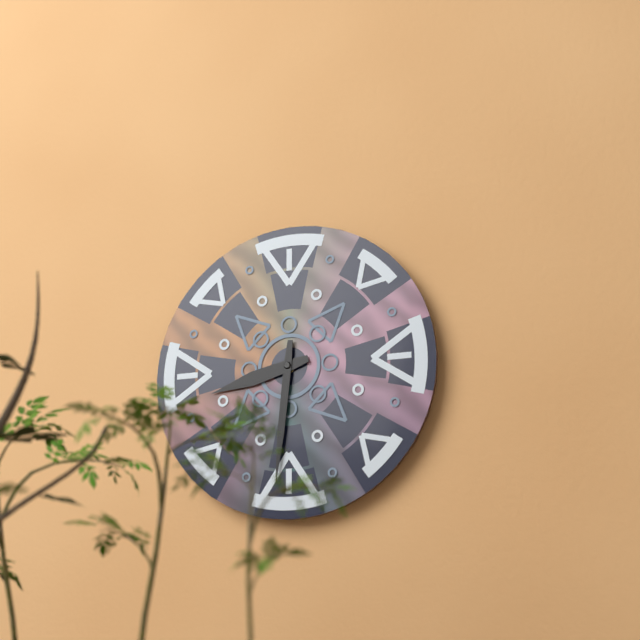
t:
8 h 31 min
